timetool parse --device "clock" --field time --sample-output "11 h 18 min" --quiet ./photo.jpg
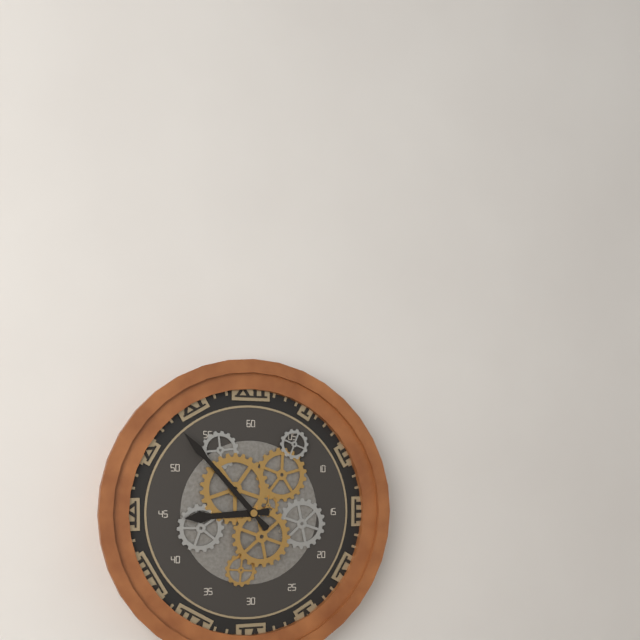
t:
8 h 53 min
